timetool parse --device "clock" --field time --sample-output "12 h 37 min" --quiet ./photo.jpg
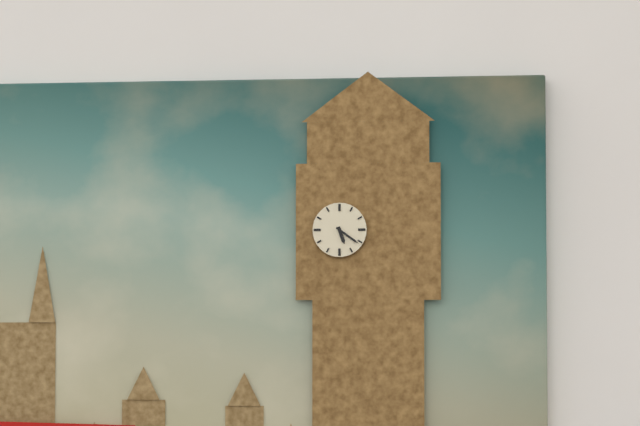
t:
5 h 21 min
